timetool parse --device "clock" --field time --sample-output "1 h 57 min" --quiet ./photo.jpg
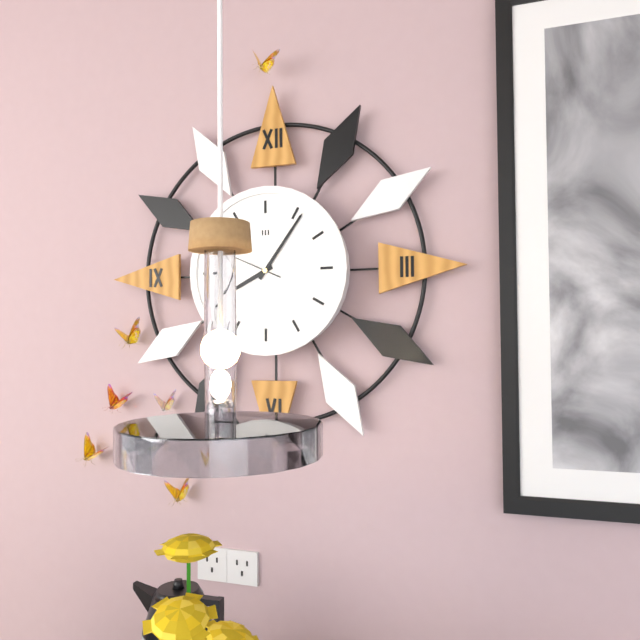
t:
8 h 06 min
